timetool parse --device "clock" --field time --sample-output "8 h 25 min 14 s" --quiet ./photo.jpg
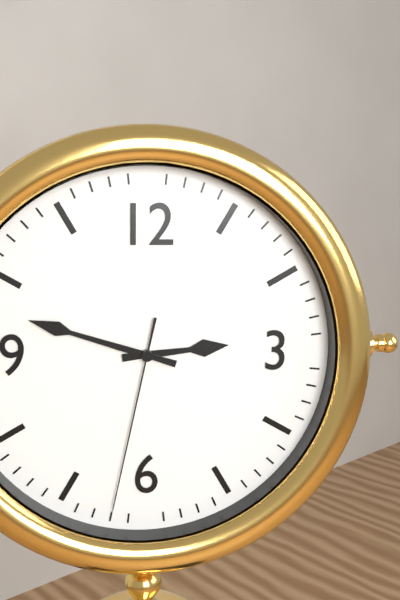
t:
2 h 48 min 32 s
